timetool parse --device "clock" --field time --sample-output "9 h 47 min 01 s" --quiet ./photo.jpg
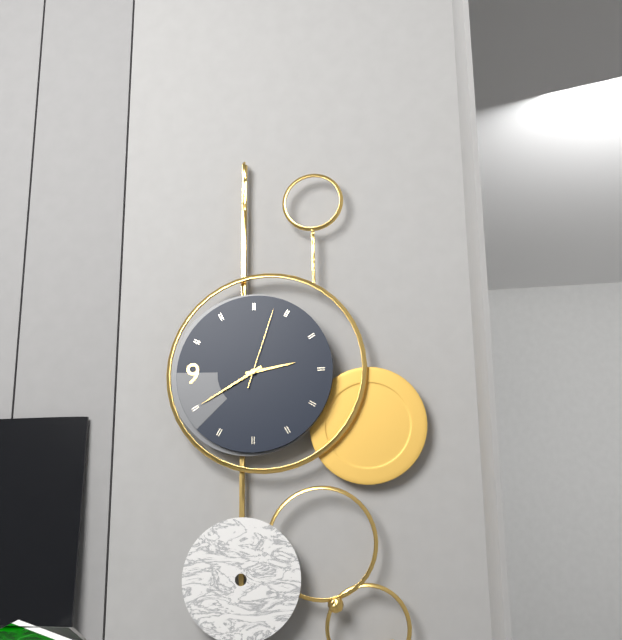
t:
2 h 40 min 03 s
